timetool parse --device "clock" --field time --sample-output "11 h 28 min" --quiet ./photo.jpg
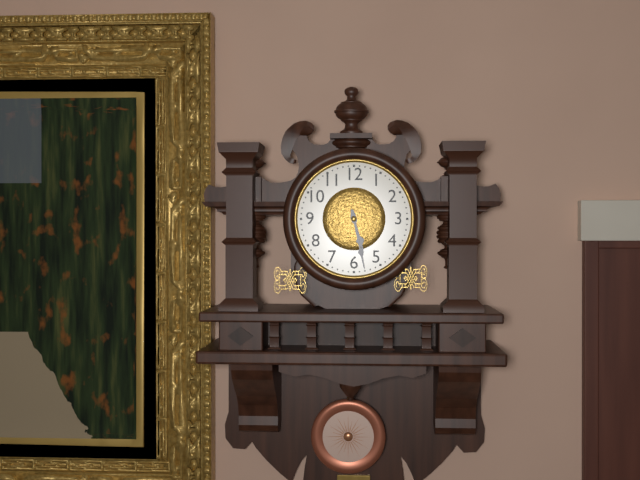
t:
5 h 28 min
